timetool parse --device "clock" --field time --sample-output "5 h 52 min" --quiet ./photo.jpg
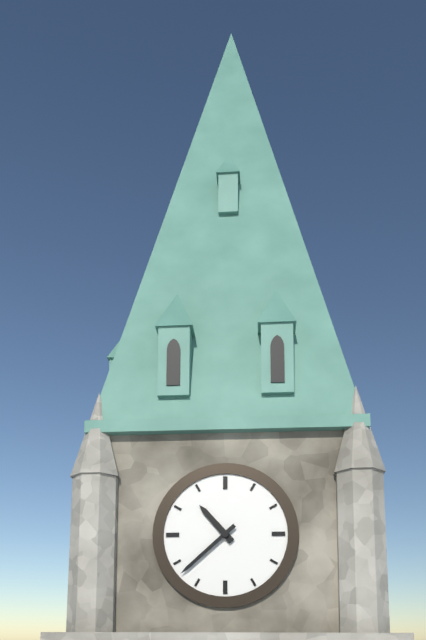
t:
10 h 38 min
